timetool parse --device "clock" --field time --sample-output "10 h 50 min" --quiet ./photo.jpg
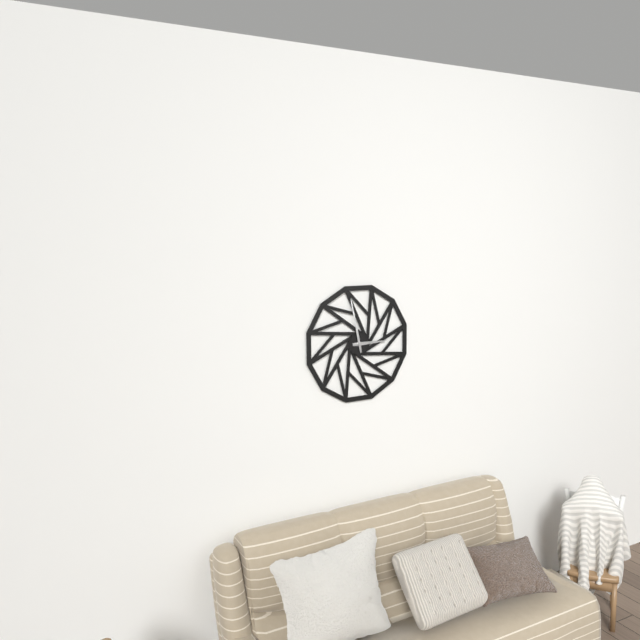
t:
2 h 58 min
